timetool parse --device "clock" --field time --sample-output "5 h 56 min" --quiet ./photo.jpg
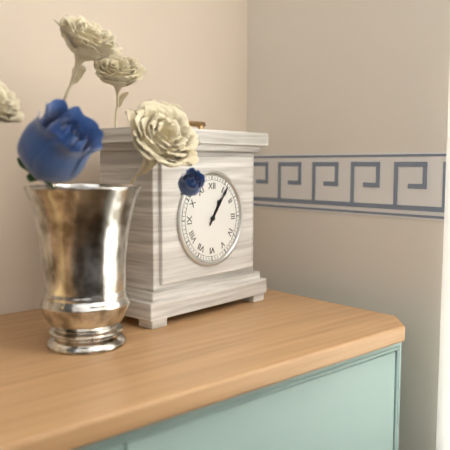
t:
1 h 06 min
